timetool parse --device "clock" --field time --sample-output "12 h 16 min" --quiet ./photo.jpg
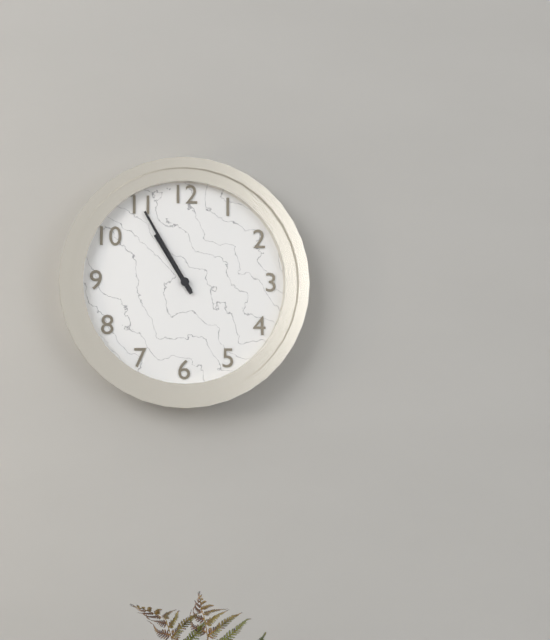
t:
10 h 55 min
